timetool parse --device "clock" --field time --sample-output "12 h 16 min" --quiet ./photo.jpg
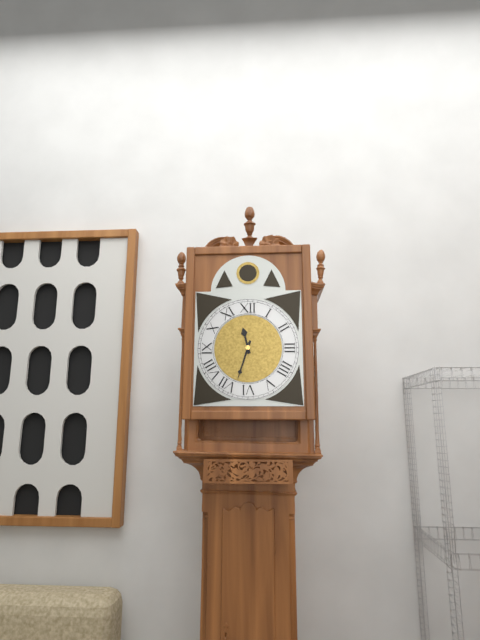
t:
11 h 33 min
